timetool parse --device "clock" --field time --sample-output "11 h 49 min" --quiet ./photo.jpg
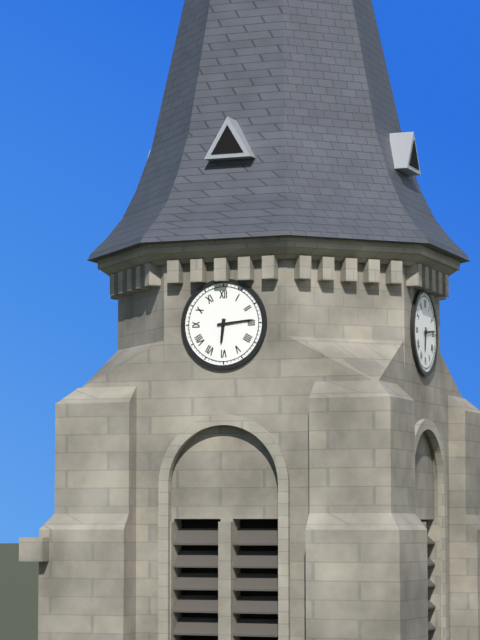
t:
6 h 14 min
